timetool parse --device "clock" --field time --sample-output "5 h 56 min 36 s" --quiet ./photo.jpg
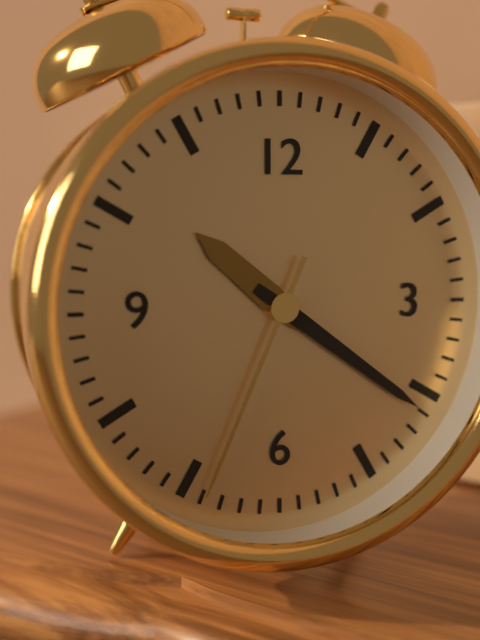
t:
10 h 21 min 34 s
